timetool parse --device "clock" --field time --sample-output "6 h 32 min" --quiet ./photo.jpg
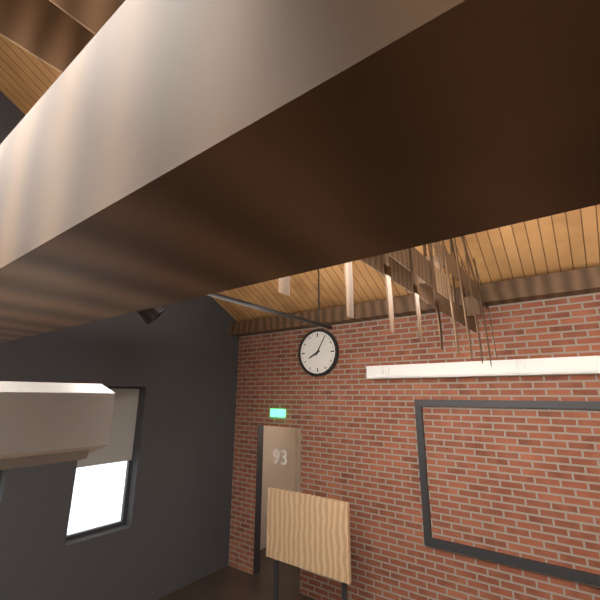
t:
8 h 05 min
